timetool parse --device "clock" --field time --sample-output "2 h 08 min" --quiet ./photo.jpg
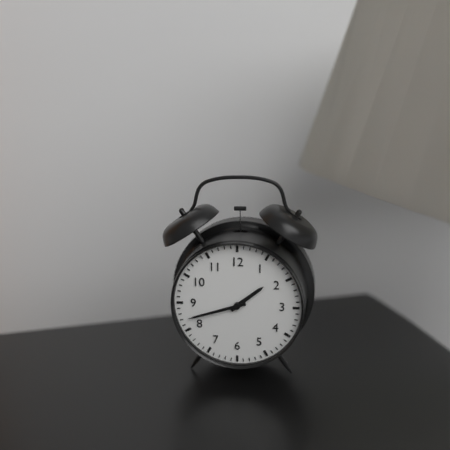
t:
1 h 42 min
